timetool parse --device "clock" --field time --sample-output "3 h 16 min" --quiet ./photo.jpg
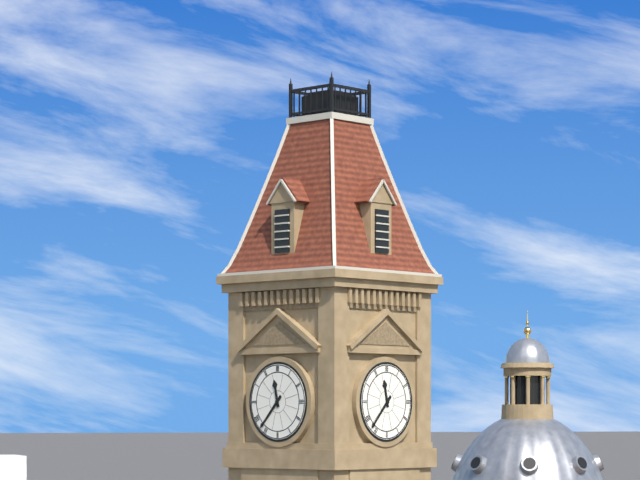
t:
11 h 37 min
